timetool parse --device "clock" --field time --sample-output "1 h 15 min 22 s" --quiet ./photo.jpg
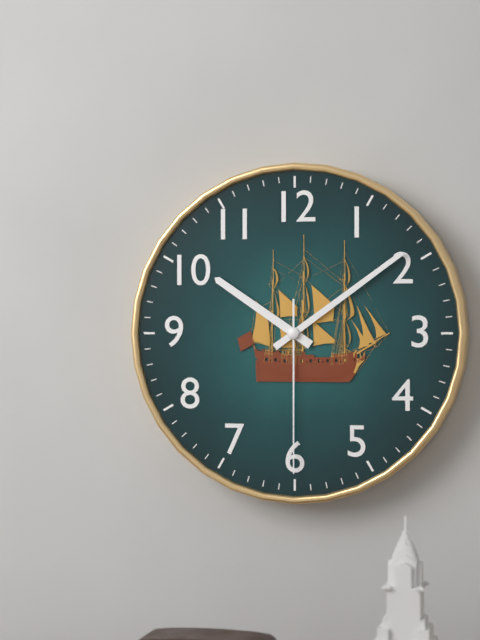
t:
10 h 09 min 30 s
